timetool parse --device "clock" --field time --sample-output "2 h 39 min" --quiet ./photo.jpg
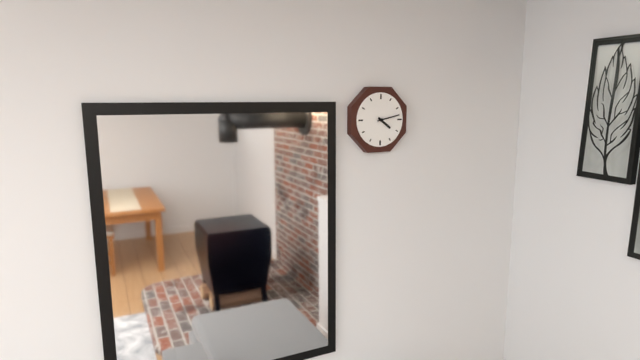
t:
4 h 13 min
